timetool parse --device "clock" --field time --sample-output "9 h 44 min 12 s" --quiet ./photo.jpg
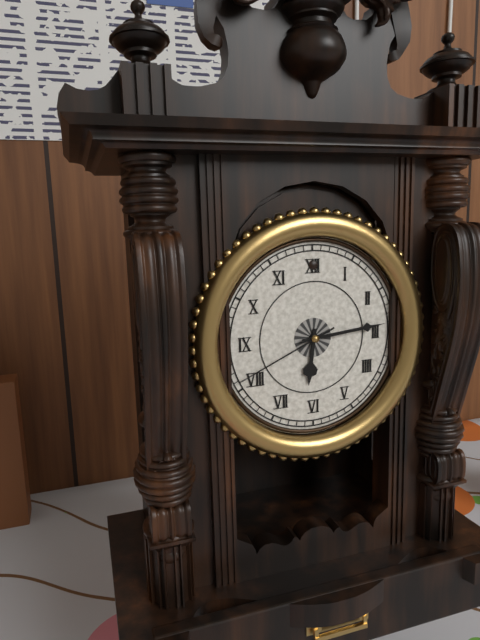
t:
6 h 14 min 41 s
